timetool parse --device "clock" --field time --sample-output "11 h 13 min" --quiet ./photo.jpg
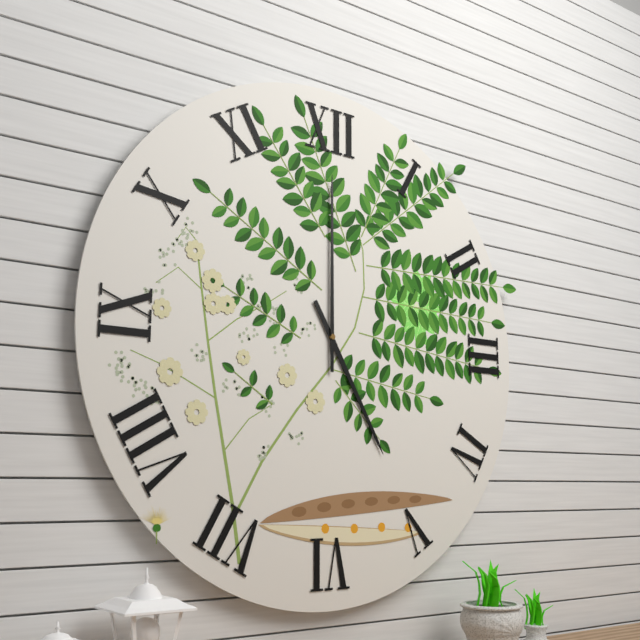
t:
5 h 00 min
